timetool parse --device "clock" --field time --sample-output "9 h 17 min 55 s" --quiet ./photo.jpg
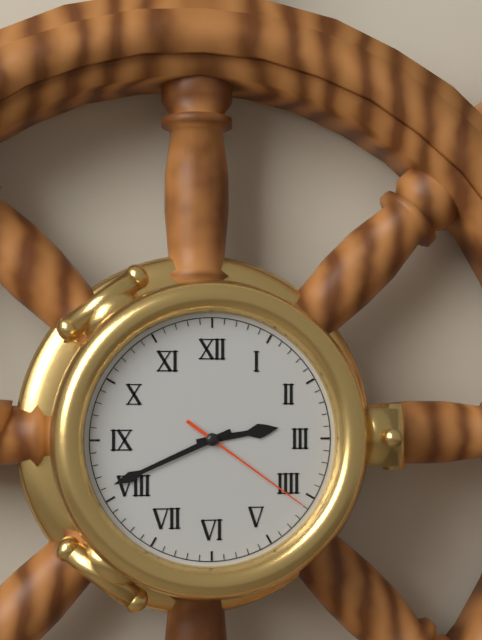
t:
2 h 41 min 21 s
